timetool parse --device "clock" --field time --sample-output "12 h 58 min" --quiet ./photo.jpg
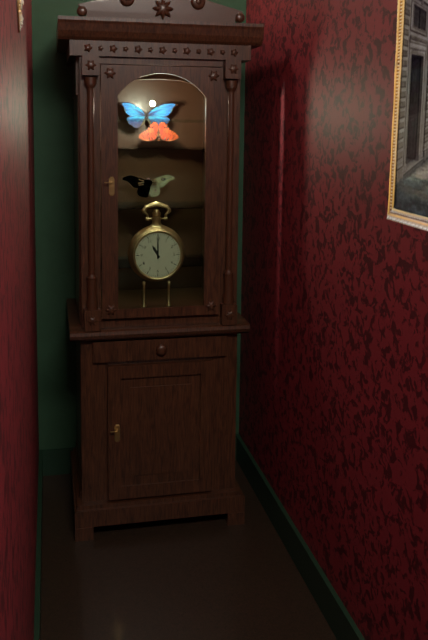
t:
11 h 00 min
